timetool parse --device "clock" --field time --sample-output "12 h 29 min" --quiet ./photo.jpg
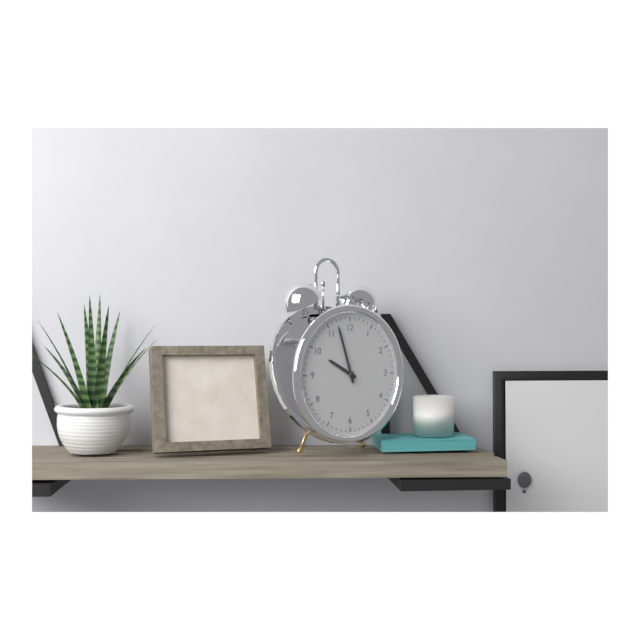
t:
9 h 57 min
